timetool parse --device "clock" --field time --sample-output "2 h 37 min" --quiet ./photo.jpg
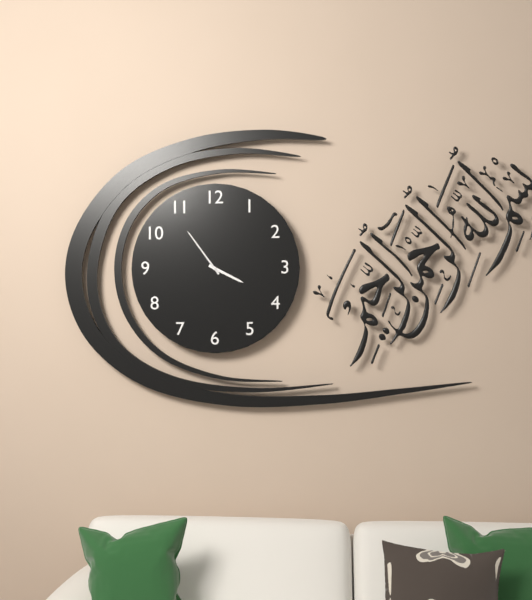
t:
3 h 54 min
